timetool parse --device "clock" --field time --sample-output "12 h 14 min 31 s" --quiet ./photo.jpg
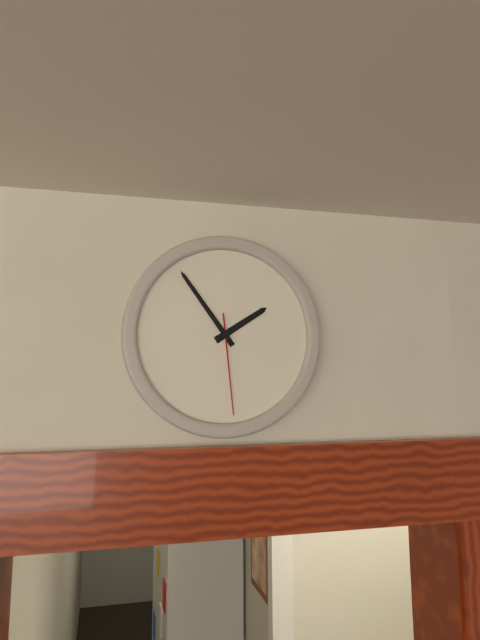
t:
1 h 54 min 29 s
